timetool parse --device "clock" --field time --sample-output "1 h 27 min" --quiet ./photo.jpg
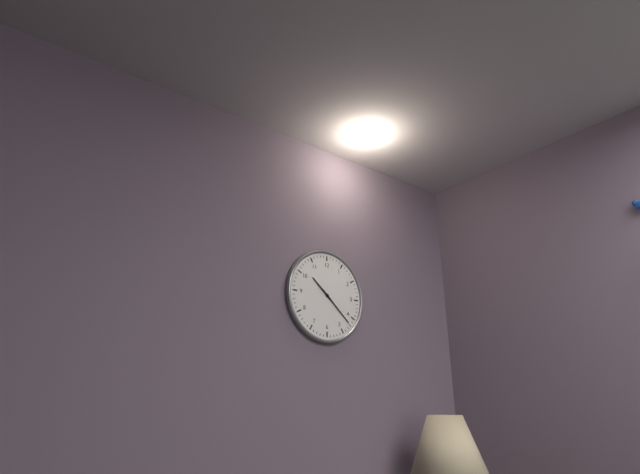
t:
10 h 22 min
